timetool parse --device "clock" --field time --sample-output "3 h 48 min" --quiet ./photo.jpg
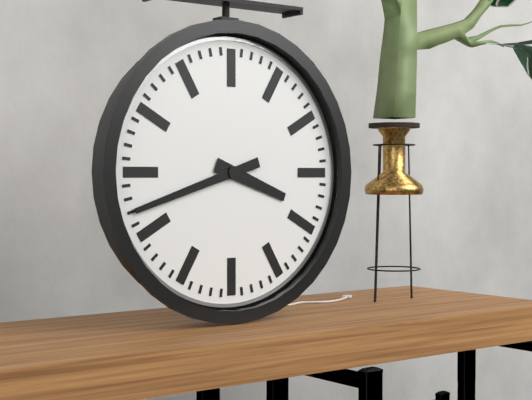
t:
3 h 42 min
